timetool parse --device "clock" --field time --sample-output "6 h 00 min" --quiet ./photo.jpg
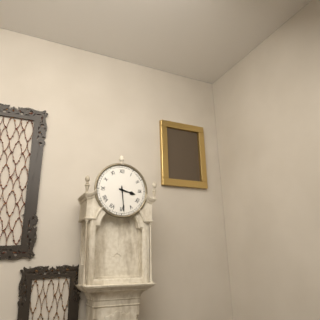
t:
3 h 29 min
